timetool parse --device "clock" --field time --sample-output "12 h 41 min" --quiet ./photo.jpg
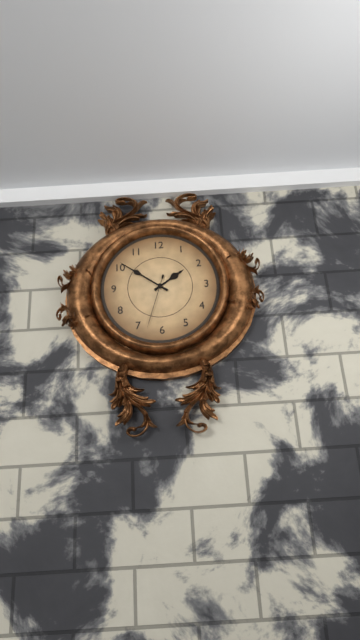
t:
1 h 51 min
